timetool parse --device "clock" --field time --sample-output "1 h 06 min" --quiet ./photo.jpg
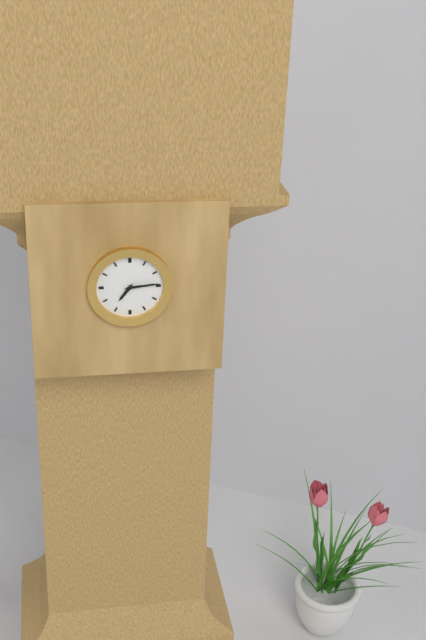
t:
7 h 14 min
